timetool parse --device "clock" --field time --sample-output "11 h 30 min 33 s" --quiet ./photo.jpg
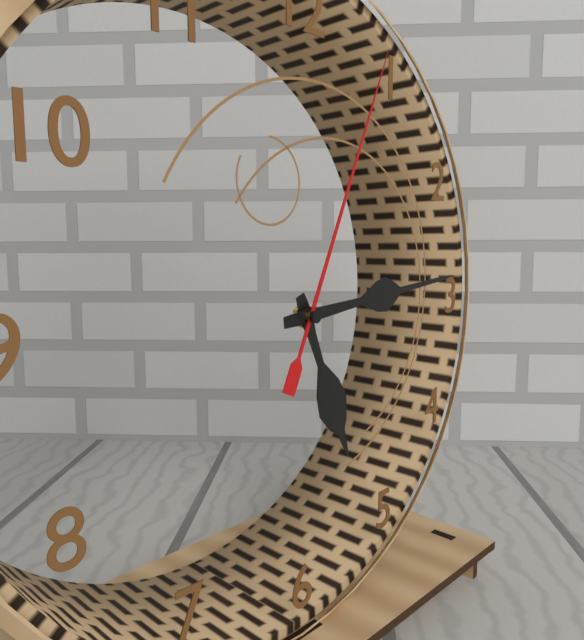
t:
5 h 14 min 04 s
